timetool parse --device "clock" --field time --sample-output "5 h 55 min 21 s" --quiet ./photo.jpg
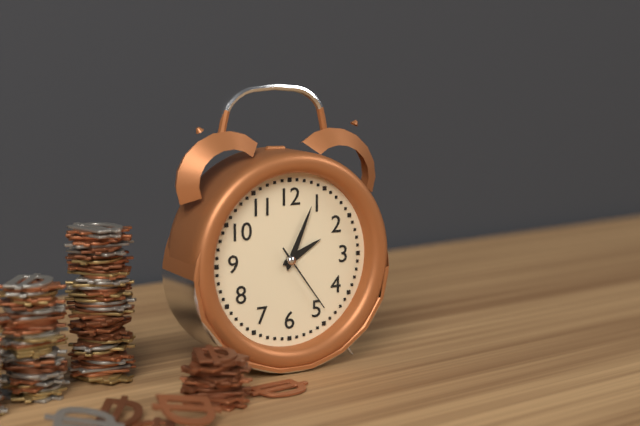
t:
2 h 04 min 24 s
